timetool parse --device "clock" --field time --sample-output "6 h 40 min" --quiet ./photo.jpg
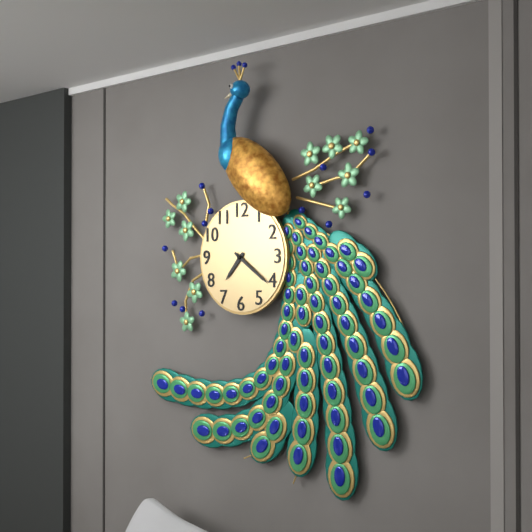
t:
7 h 21 min
